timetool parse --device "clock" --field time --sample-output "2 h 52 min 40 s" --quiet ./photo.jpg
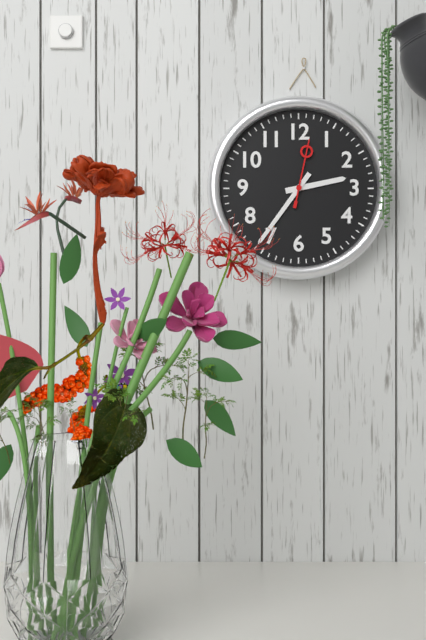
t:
2 h 36 min 02 s
